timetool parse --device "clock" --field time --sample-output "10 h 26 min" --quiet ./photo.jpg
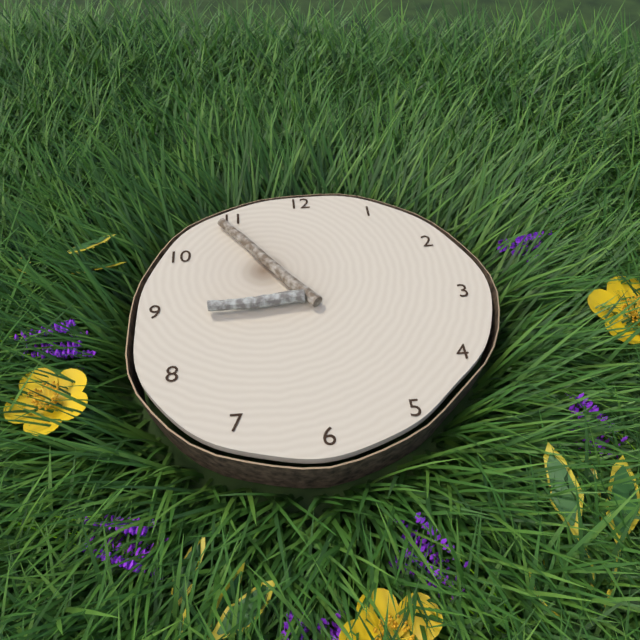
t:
8 h 54 min
